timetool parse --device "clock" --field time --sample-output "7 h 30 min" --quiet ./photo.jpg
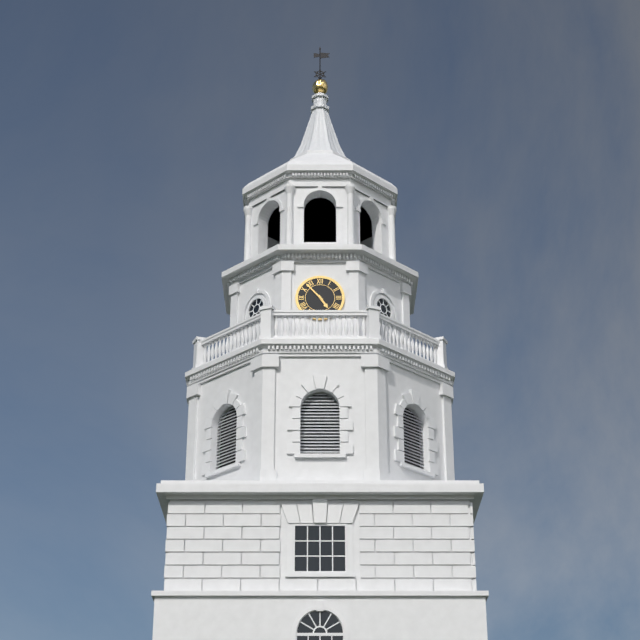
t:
4 h 53 min
